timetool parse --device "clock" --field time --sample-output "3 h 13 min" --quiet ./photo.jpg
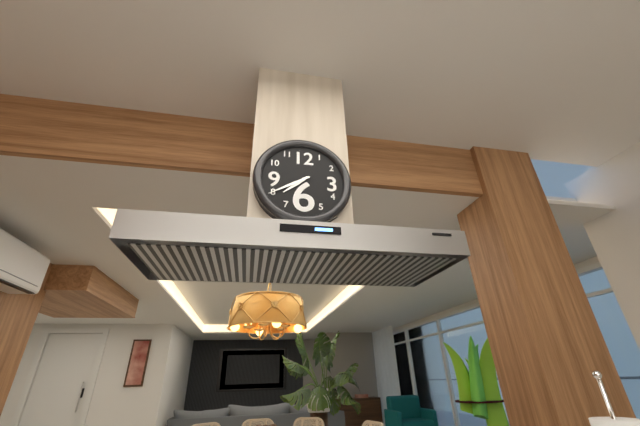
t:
7 h 40 min
